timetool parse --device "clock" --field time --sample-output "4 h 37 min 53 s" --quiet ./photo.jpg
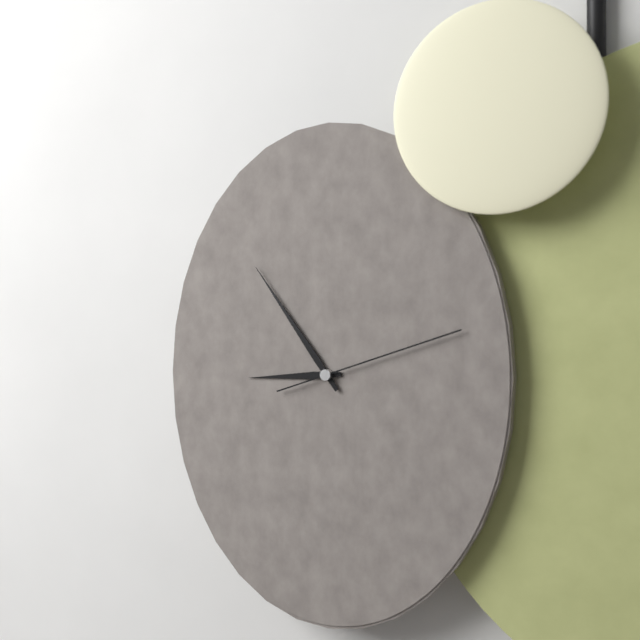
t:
8 h 54 min 12 s
